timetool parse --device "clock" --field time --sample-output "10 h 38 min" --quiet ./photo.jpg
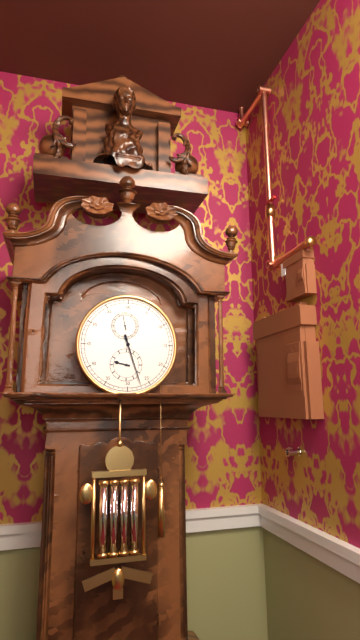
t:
9 h 27 min
